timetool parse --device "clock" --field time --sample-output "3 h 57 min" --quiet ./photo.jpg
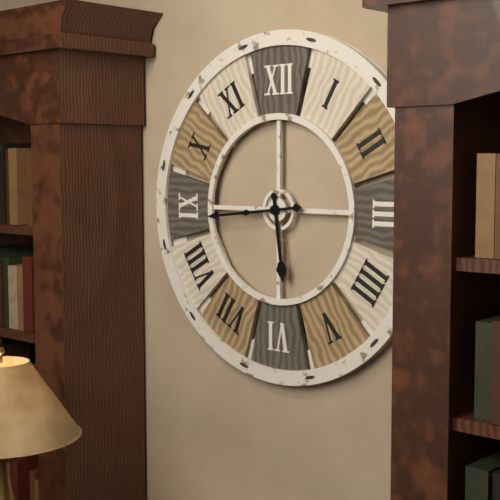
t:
5 h 44 min
